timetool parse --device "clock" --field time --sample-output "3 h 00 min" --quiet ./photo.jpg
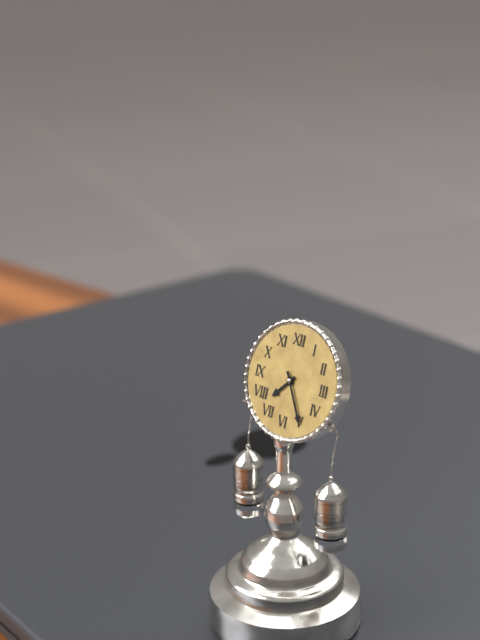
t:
7 h 25 min
